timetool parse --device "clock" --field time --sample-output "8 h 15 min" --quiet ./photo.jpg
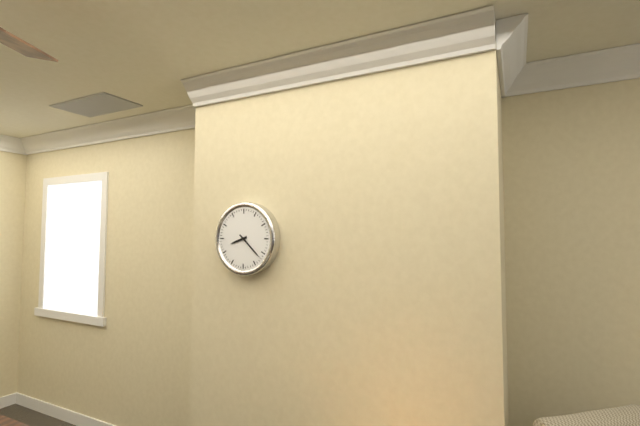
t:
8 h 22 min
